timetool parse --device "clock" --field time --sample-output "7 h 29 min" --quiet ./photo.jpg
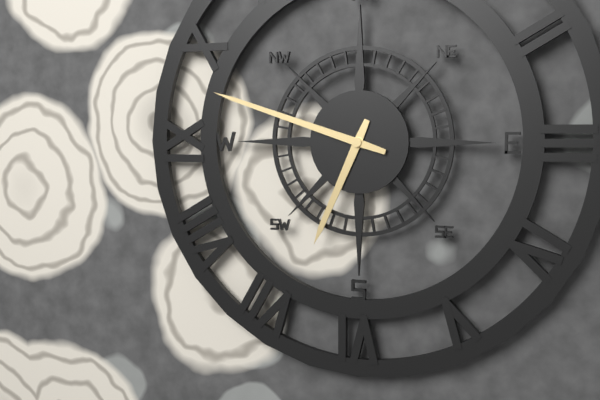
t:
6 h 48 min
